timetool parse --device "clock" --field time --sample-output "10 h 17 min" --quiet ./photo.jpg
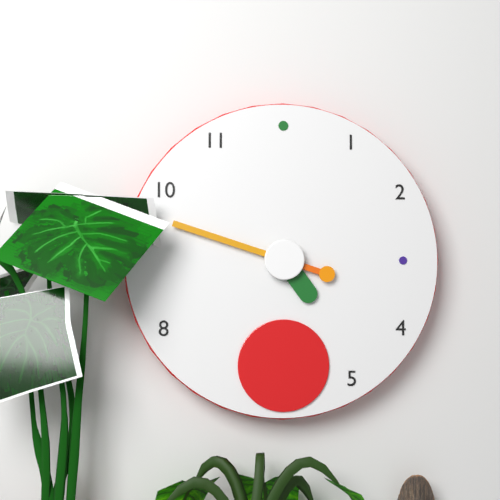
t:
4 h 48 min
